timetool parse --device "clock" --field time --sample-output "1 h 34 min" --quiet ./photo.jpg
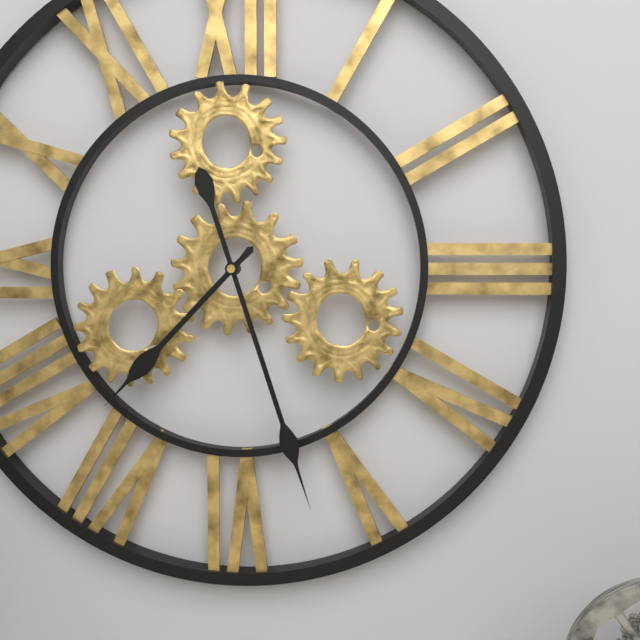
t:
7 h 27 min
